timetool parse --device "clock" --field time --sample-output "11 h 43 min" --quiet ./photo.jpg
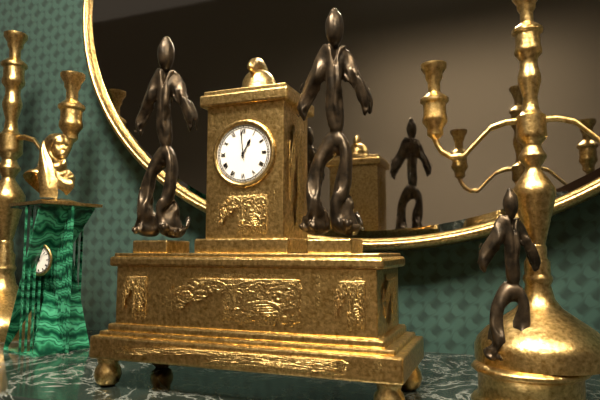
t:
12 h 59 min
